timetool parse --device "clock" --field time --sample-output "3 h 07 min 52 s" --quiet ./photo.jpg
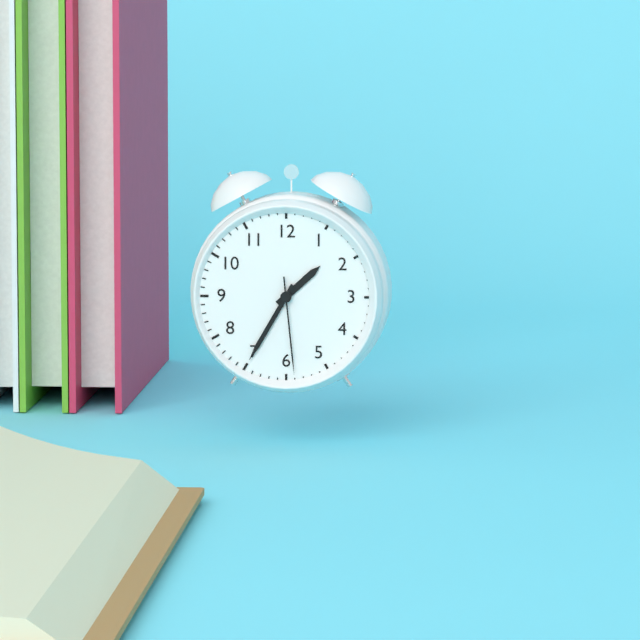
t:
1 h 35 min 29 s
